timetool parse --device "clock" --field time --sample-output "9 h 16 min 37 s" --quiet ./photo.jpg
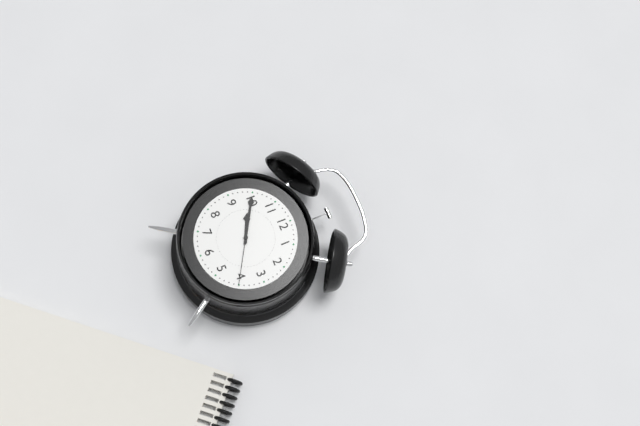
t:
9 h 50 min 20 s
